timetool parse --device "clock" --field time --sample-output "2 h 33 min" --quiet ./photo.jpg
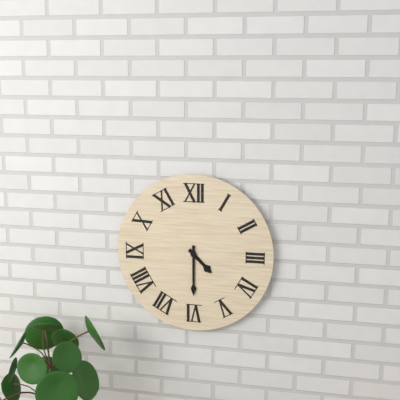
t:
4 h 30 min
